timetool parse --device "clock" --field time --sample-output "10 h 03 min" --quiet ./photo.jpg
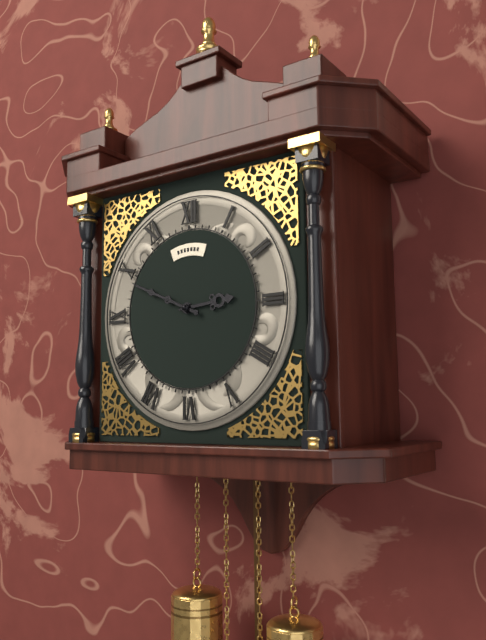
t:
2 h 49 min
